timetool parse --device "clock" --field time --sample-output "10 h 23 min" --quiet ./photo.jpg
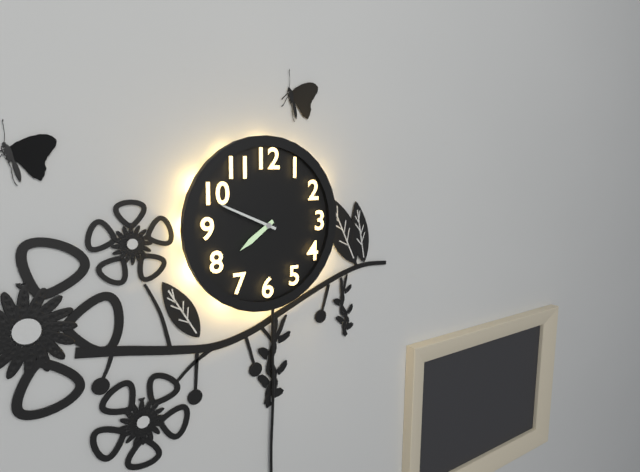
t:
7 h 49 min
